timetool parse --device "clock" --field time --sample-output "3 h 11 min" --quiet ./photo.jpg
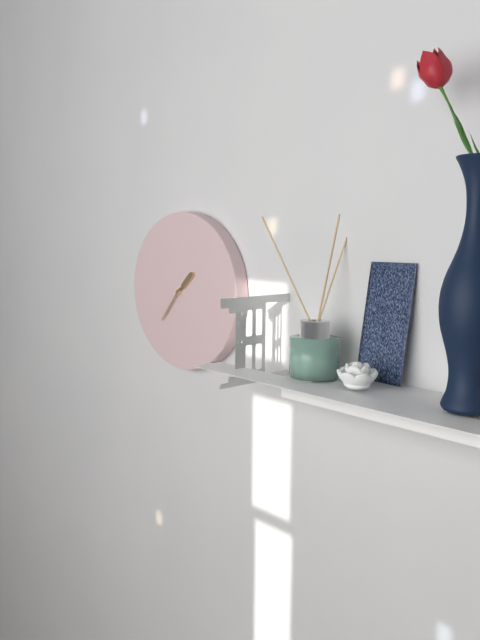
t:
1 h 37 min
